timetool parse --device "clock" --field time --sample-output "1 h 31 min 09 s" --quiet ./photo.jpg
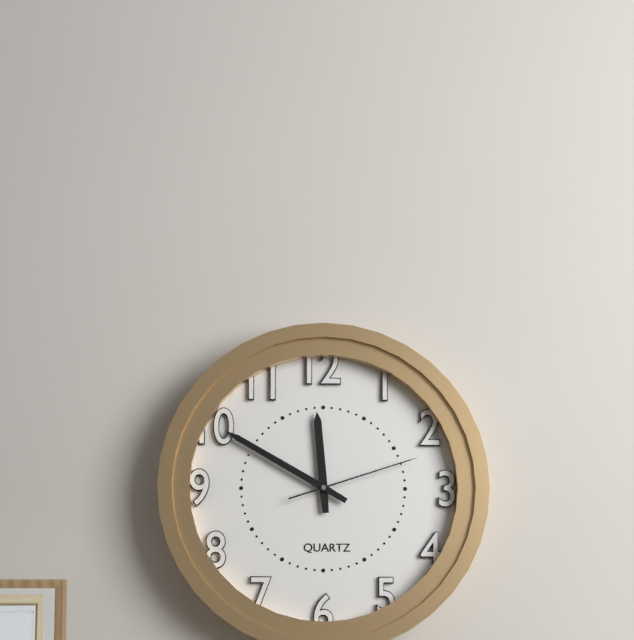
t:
11 h 50 min 12 s
